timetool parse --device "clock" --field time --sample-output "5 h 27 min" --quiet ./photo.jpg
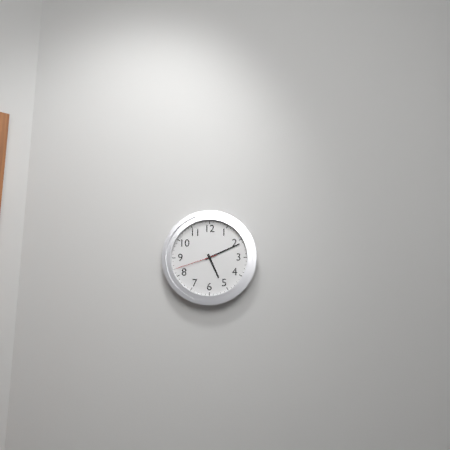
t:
5 h 11 min
